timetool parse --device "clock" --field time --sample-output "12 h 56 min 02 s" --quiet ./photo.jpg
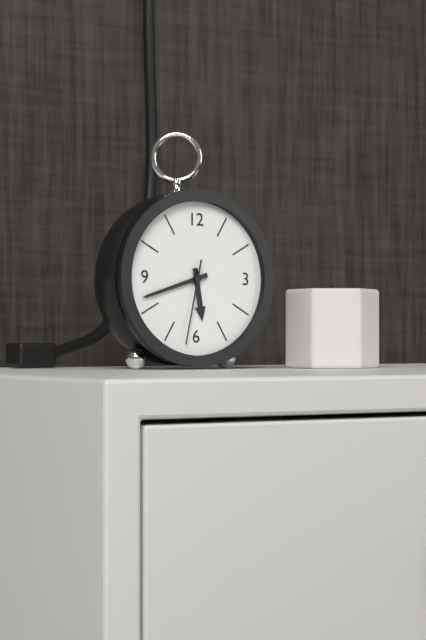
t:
5 h 42 min 32 s
